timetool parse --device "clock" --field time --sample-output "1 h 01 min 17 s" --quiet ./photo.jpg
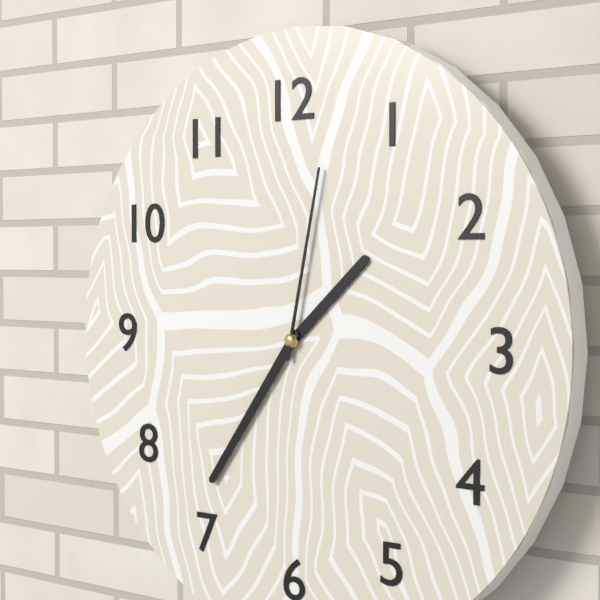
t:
1 h 36 min 02 s
